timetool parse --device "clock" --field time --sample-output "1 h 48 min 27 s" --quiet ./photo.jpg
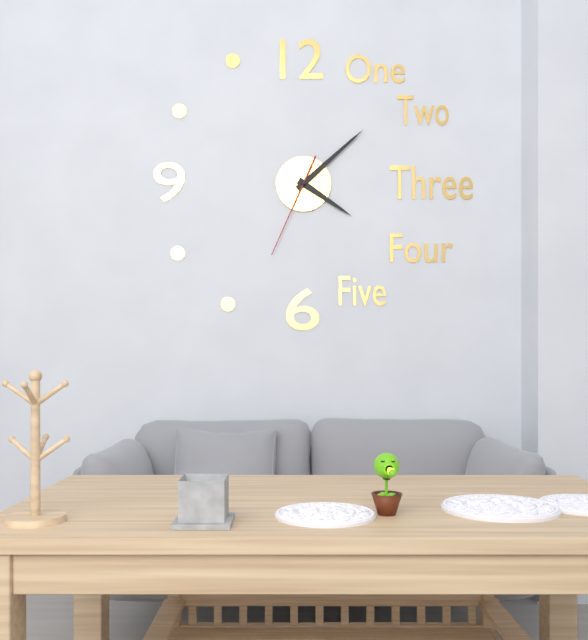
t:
4 h 08 min 34 s
